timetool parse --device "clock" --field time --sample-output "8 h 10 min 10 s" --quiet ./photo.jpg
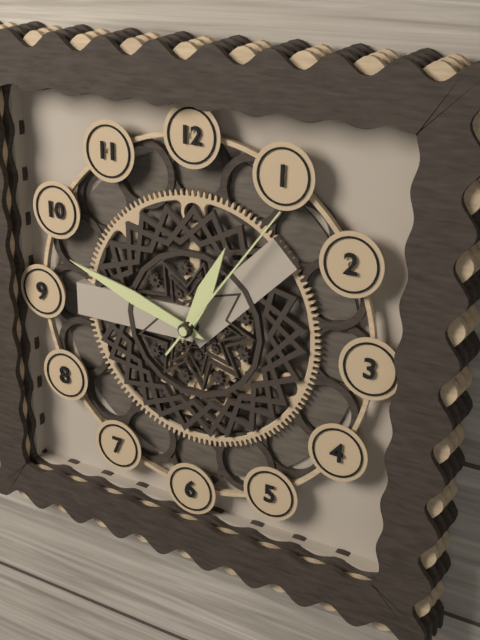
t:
12 h 48 min 06 s
